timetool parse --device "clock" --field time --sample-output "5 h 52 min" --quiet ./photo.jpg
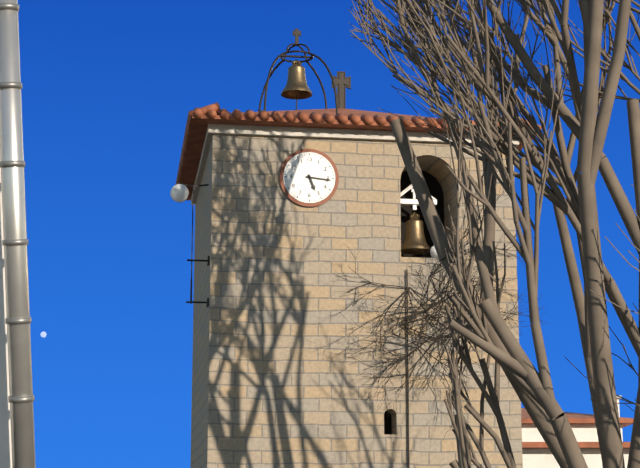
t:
5 h 16 min
